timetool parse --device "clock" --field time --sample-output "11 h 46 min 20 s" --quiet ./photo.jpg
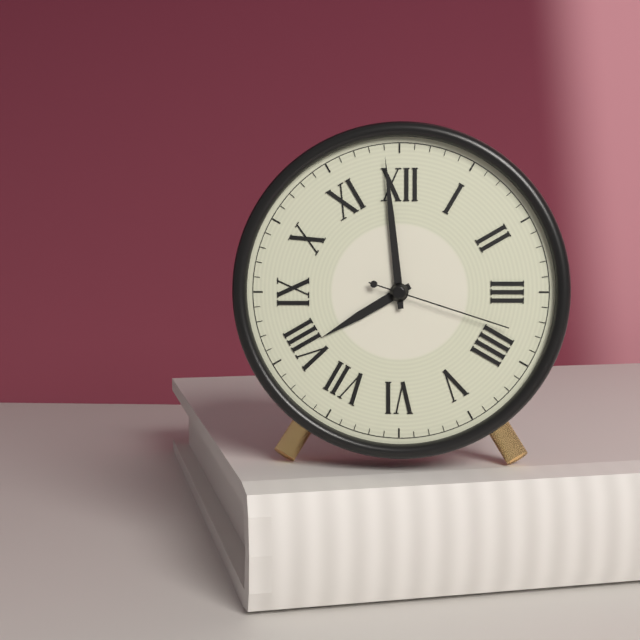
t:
7 h 59 min 18 s
